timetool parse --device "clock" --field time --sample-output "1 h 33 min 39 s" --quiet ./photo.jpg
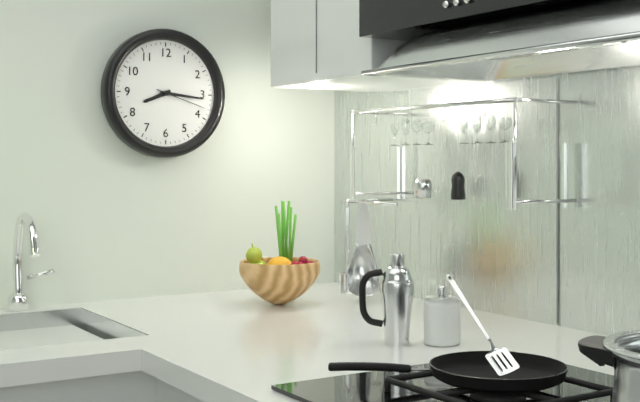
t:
8 h 16 min 18 s
